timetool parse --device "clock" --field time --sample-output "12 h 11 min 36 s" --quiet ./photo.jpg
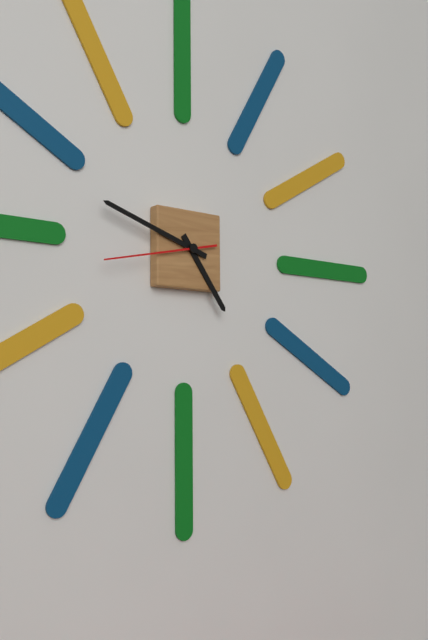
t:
4 h 48 min 43 s
